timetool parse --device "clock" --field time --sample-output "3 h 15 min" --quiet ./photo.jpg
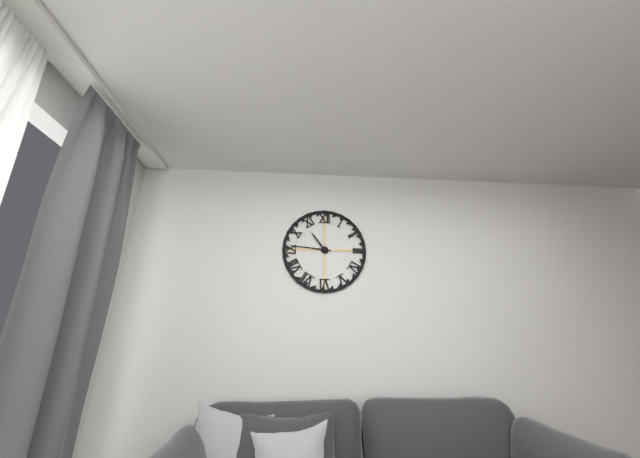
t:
10 h 46 min
